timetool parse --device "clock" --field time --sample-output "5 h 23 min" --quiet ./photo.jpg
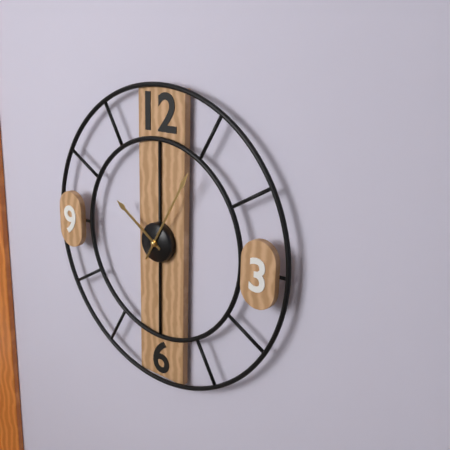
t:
10 h 05 min
